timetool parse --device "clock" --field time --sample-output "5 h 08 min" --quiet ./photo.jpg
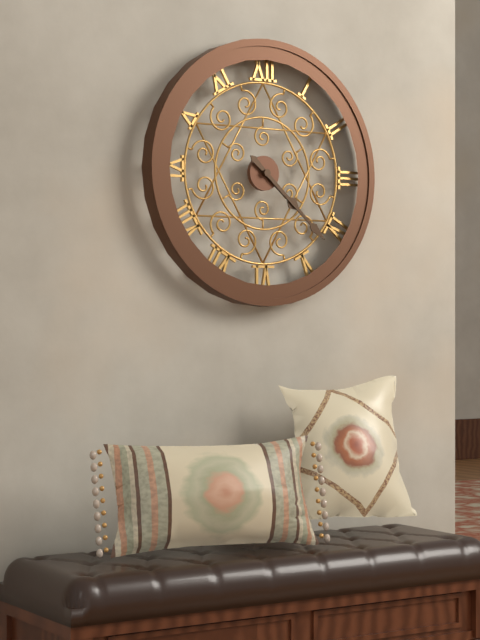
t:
4 h 22 min
